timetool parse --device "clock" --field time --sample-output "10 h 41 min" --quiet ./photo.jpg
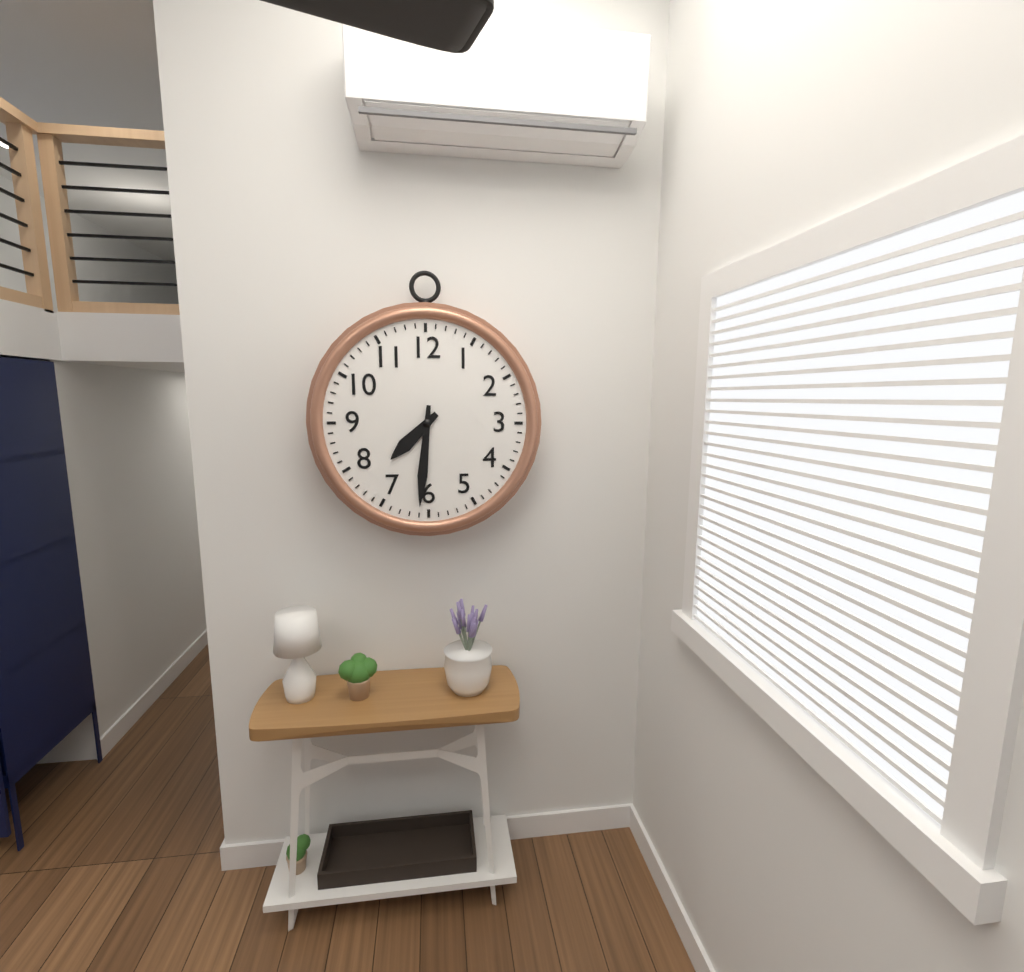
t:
7 h 31 min
